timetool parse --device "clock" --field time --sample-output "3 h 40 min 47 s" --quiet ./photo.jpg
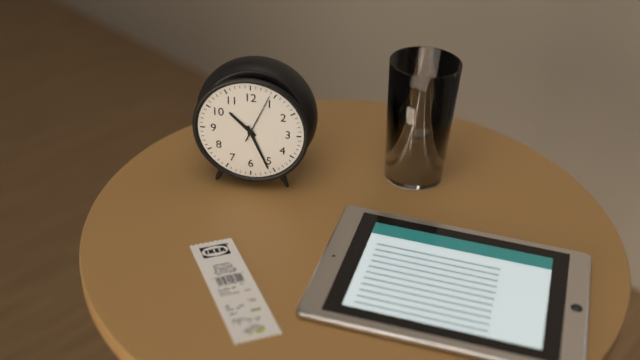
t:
10 h 26 min 04 s
